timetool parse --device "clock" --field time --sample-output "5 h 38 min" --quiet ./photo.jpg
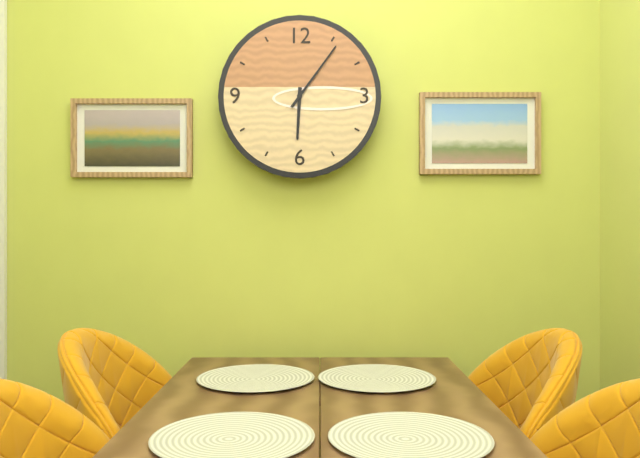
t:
6 h 06 min
